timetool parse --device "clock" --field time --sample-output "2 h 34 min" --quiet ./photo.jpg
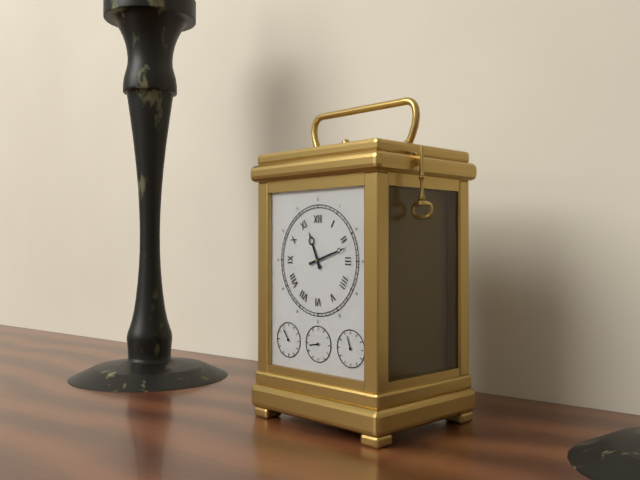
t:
11 h 12 min
